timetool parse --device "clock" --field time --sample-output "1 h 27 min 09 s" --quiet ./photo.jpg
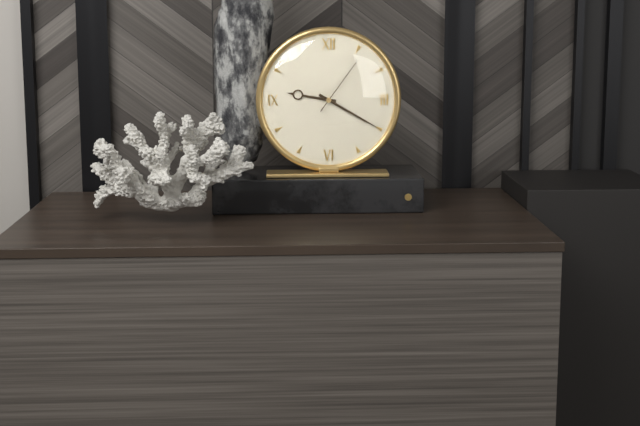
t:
9 h 20 min 06 s
